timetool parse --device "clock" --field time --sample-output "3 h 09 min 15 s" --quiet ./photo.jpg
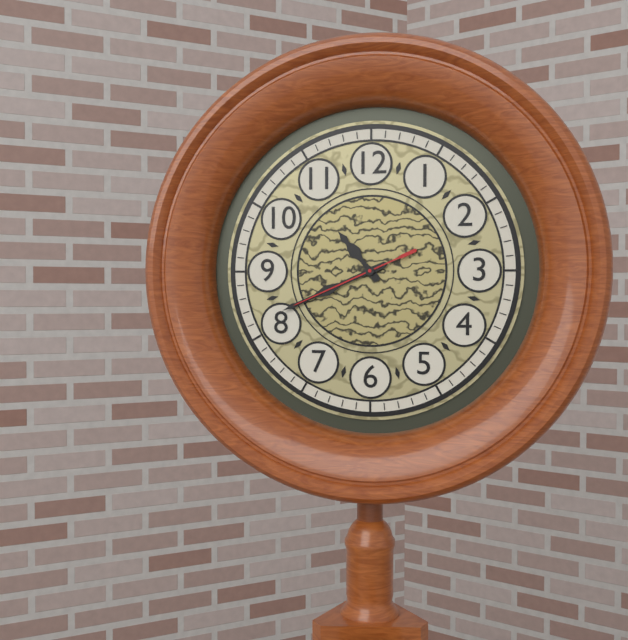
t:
10 h 41 min 41 s
